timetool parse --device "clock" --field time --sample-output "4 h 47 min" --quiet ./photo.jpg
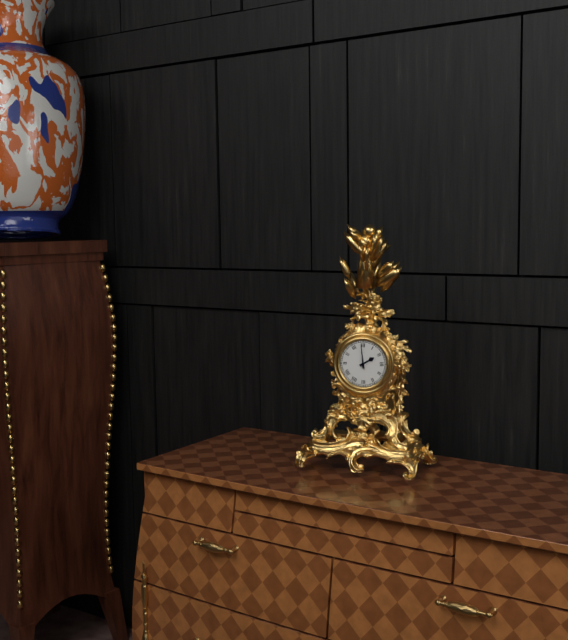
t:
1 h 59 min
